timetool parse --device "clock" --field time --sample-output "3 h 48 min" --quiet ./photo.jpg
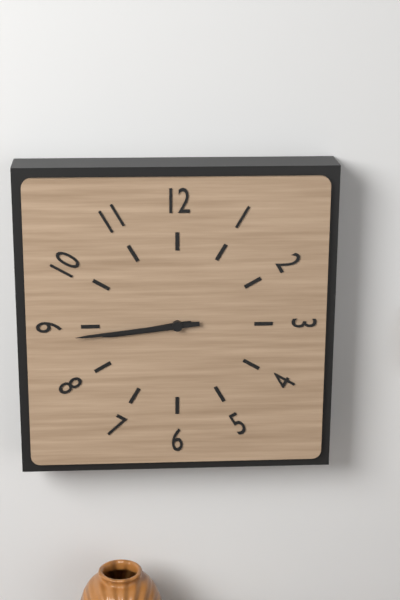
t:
8 h 44 min
